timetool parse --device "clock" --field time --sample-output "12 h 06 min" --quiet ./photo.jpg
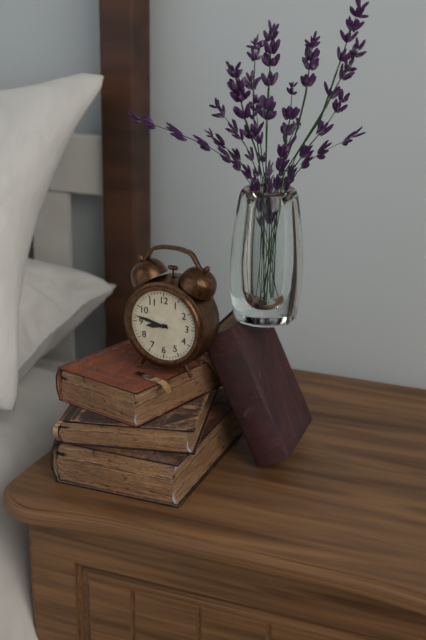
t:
8 h 47 min
